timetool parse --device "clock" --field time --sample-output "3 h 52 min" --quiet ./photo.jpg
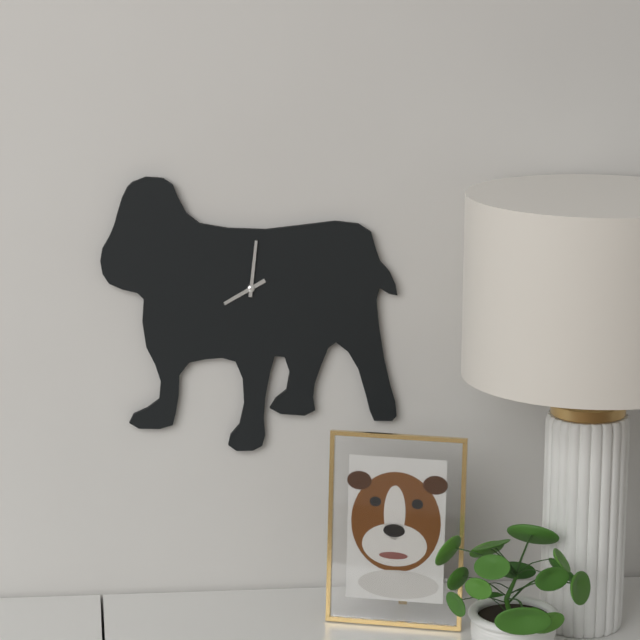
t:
8 h 01 min
